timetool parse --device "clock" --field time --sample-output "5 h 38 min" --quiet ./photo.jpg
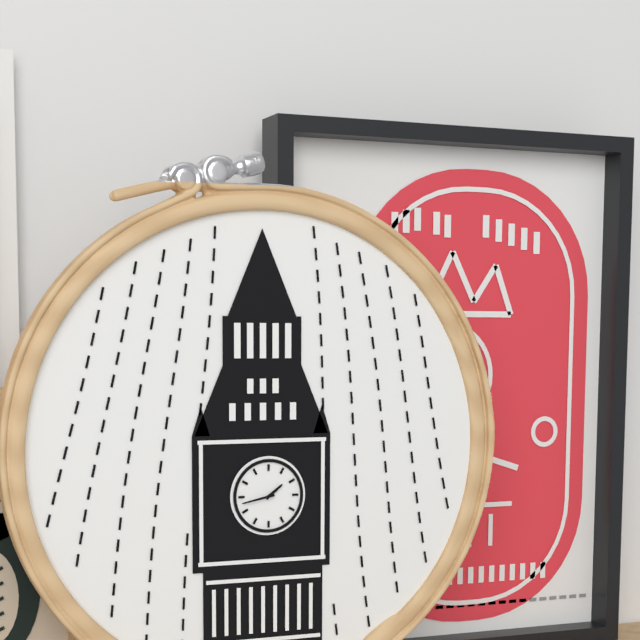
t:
1 h 43 min
